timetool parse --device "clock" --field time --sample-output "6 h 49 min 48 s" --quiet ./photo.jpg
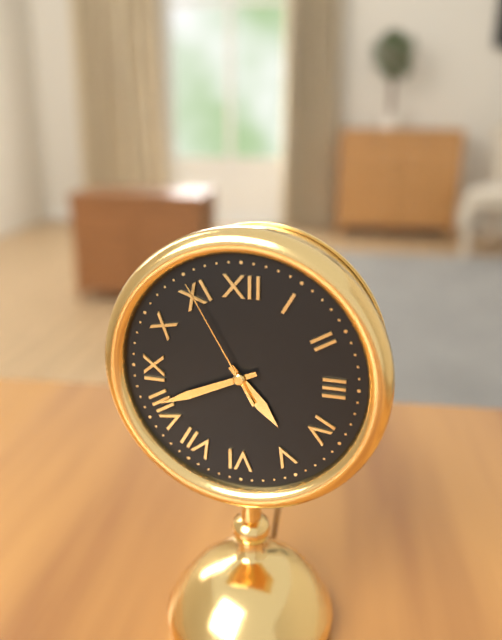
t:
4 h 41 min 55 s
